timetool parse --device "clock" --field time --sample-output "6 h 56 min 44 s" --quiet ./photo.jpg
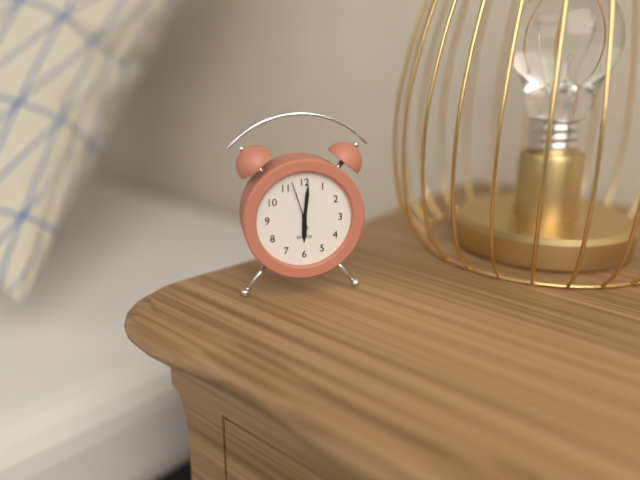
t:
6 h 01 min 57 s
